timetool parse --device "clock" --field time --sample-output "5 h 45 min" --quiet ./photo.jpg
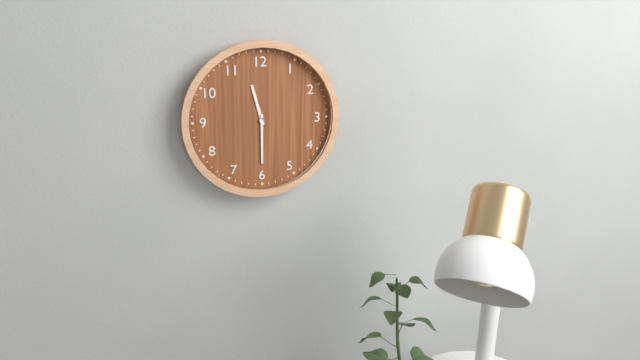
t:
11 h 30 min
